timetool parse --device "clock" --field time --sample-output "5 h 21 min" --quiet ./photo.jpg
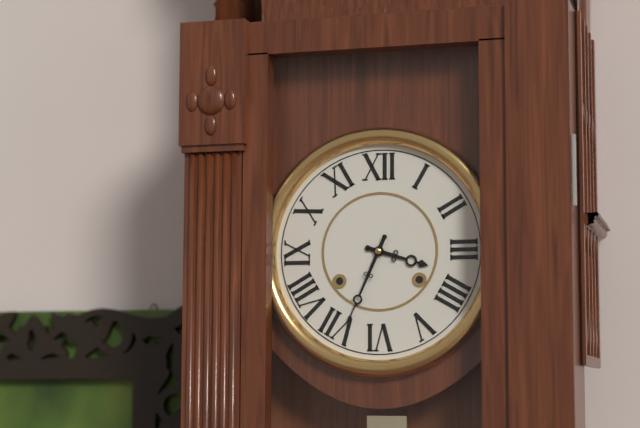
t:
3 h 34 min
